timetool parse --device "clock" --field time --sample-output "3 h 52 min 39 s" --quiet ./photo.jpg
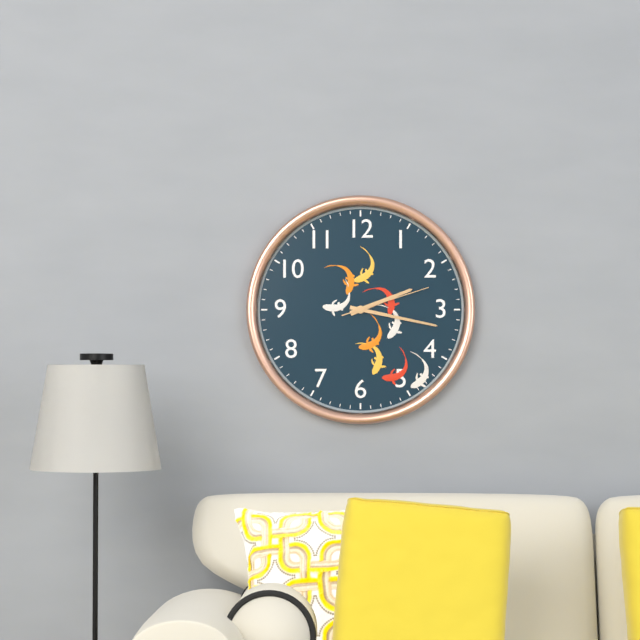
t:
2 h 17 min 12 s
